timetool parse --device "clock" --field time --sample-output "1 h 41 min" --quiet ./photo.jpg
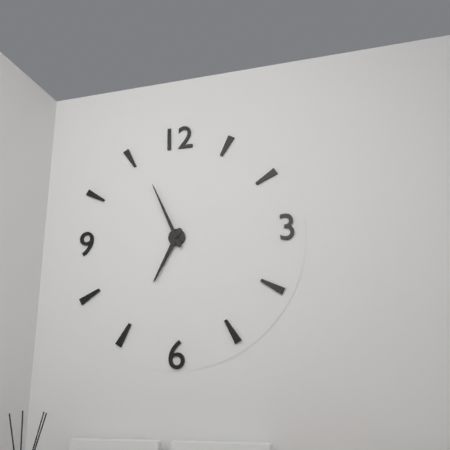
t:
6 h 56 min
